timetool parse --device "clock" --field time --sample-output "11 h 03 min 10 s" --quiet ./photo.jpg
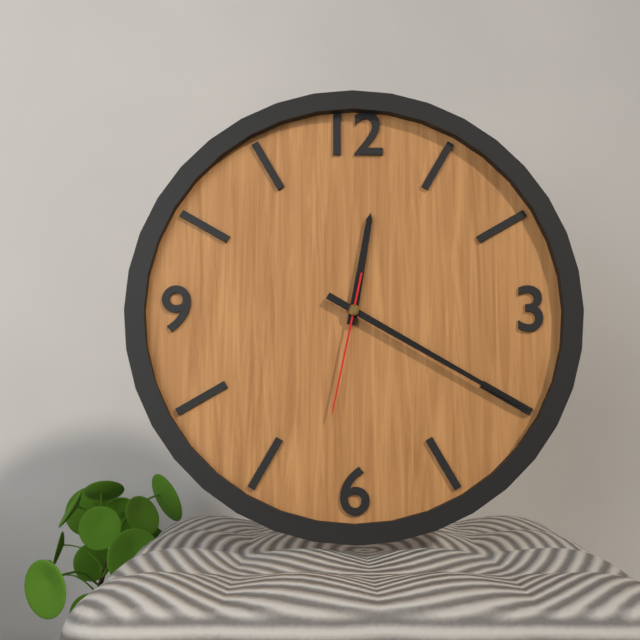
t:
12 h 20 min 32 s
